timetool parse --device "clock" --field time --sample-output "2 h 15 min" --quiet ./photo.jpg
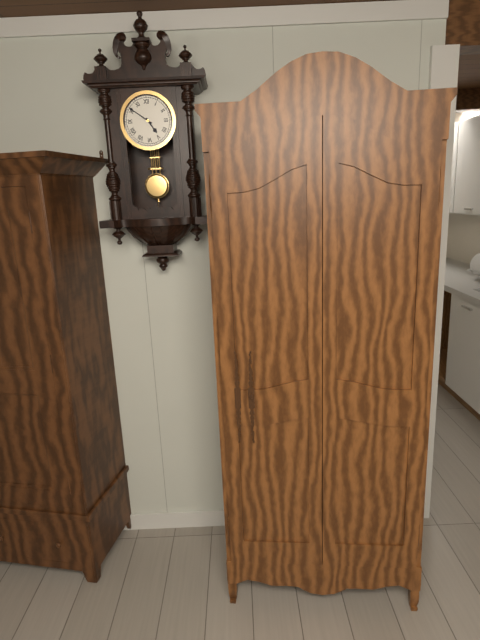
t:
4 h 51 min
